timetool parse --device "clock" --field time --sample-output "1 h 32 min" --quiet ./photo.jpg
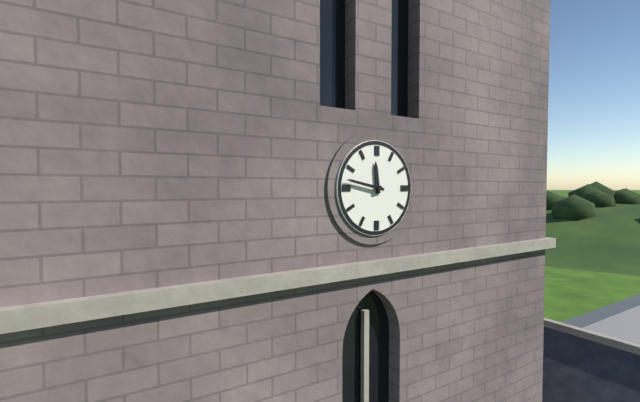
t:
11 h 47 min
